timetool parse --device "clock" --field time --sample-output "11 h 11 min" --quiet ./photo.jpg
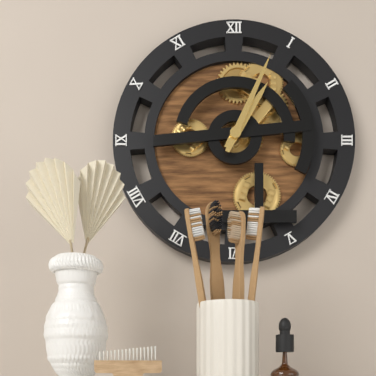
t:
1 h 04 min
